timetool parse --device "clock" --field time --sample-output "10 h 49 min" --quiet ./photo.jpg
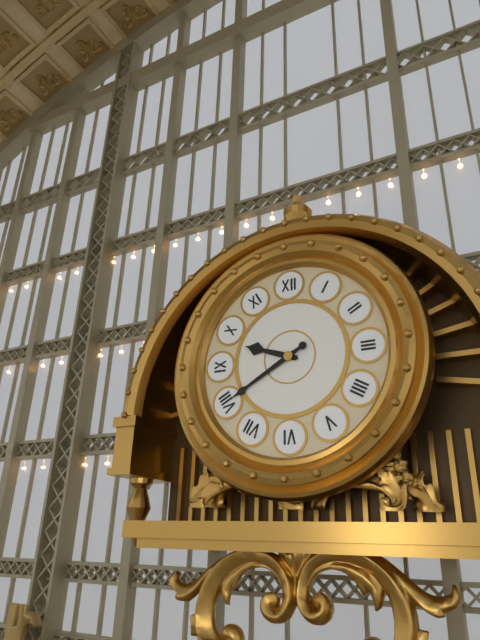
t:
9 h 40 min
